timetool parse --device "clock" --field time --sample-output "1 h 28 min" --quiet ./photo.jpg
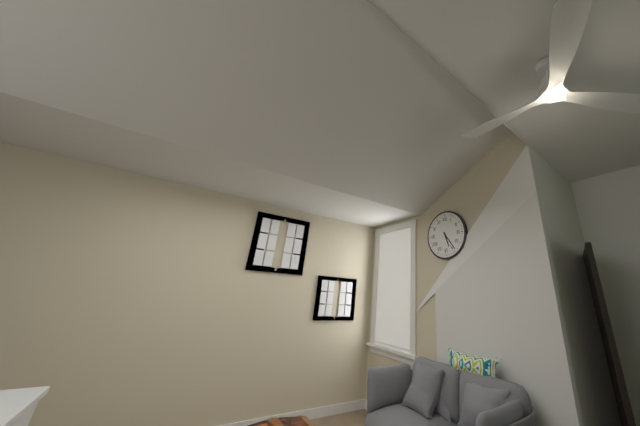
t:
5 h 24 min
